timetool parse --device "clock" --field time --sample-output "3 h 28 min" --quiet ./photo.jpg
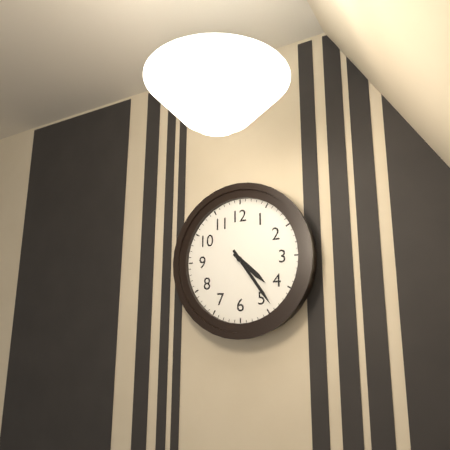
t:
4 h 24 min
